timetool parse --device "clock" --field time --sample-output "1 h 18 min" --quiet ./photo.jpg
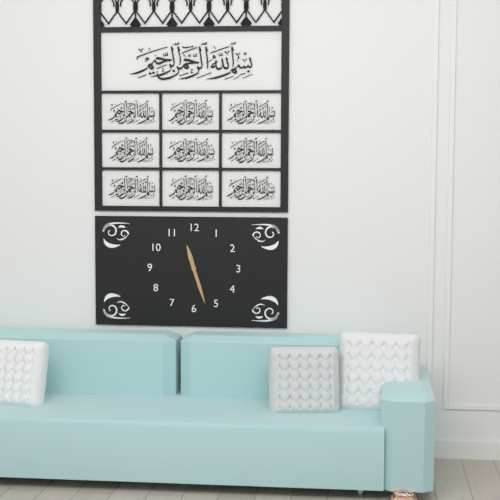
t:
11 h 27 min
